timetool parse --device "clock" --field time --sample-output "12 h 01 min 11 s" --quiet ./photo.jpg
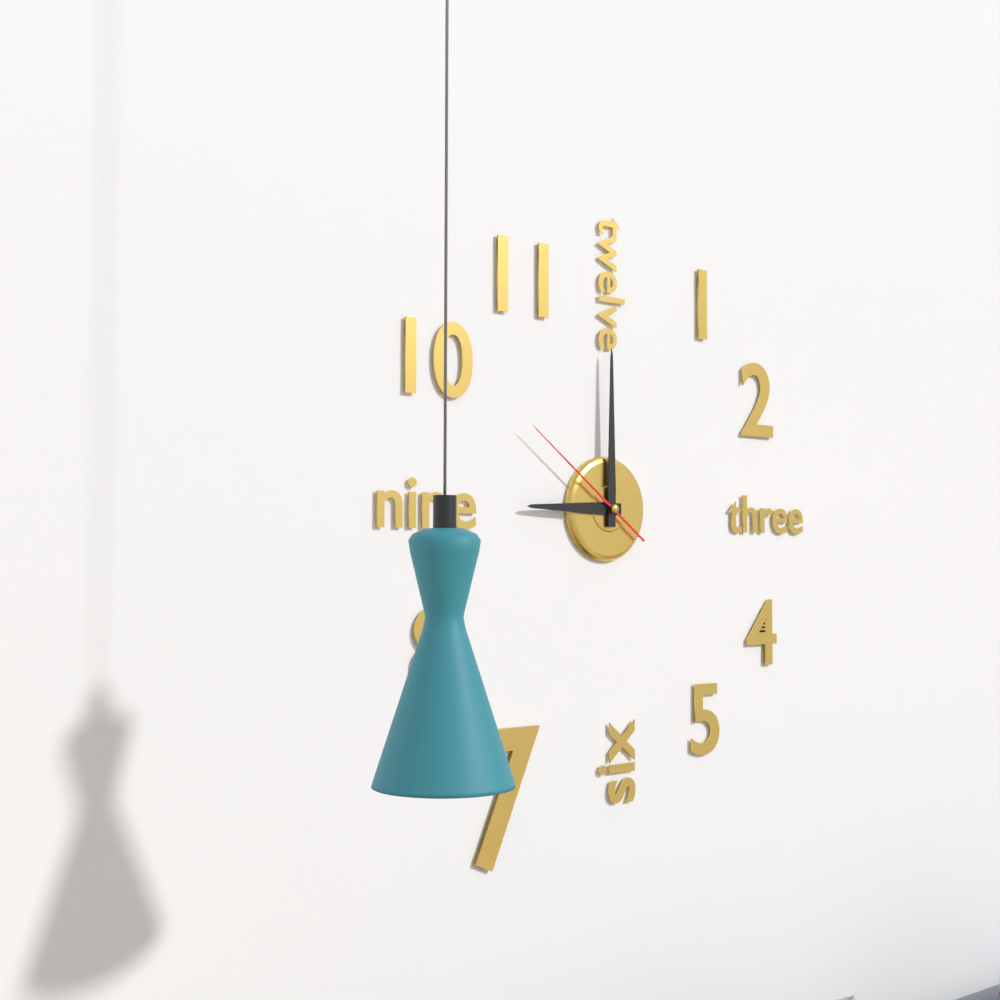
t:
9 h 00 min 51 s
